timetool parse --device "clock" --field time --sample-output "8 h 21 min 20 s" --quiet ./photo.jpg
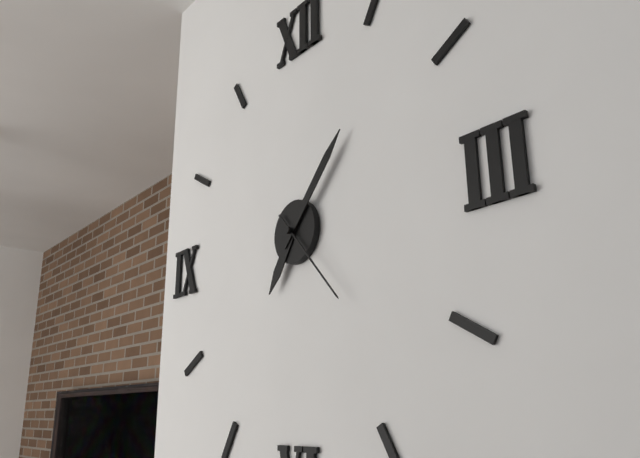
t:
7 h 07 min 23 s
